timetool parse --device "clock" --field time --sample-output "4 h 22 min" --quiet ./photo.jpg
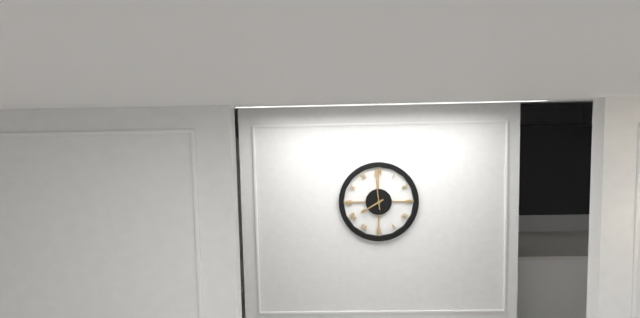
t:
7 h 59 min
